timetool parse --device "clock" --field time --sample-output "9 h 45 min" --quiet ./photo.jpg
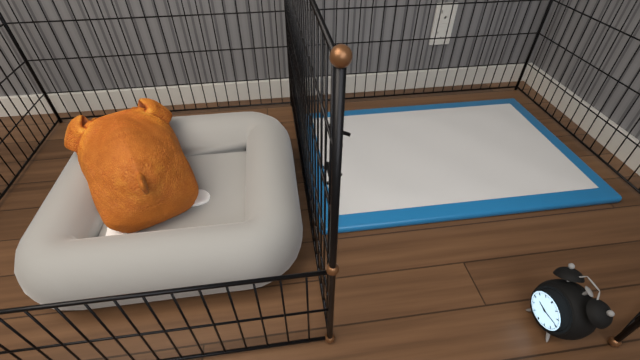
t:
9 h 14 min
